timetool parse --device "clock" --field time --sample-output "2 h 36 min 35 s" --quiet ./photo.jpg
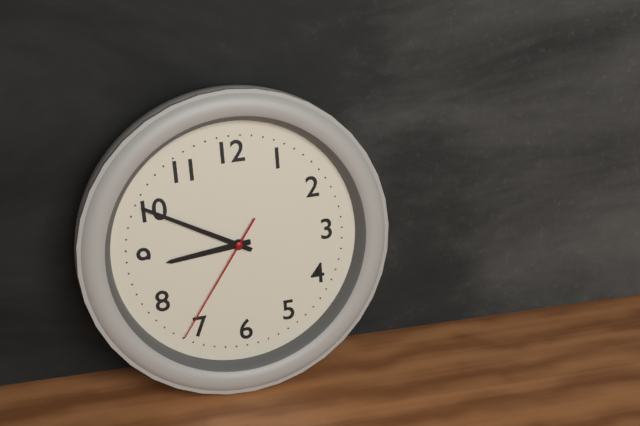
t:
8 h 50 min 36 s
